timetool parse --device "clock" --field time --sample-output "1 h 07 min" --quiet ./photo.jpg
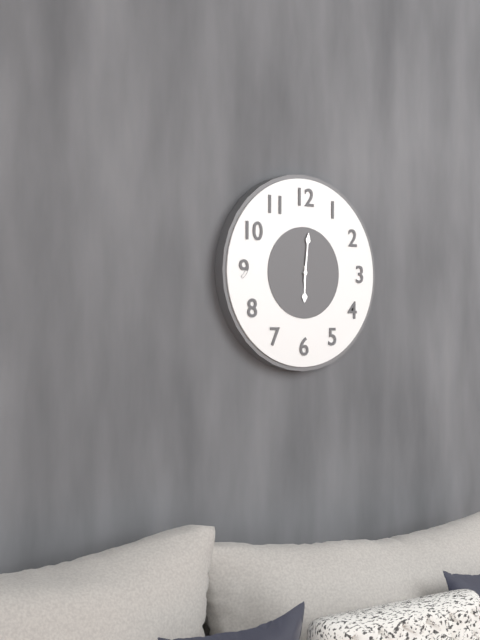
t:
6 h 01 min
